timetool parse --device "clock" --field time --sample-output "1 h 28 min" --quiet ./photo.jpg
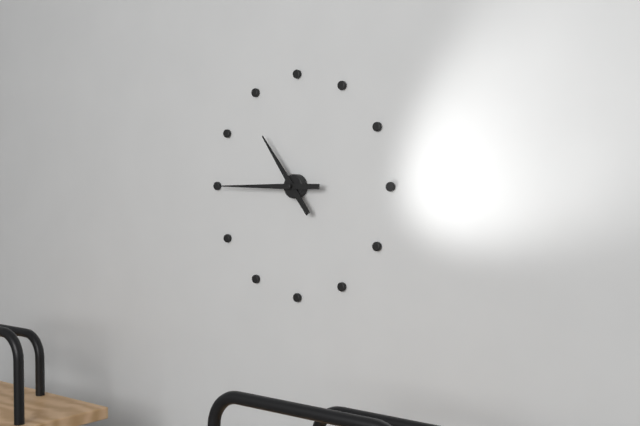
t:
10 h 45 min
